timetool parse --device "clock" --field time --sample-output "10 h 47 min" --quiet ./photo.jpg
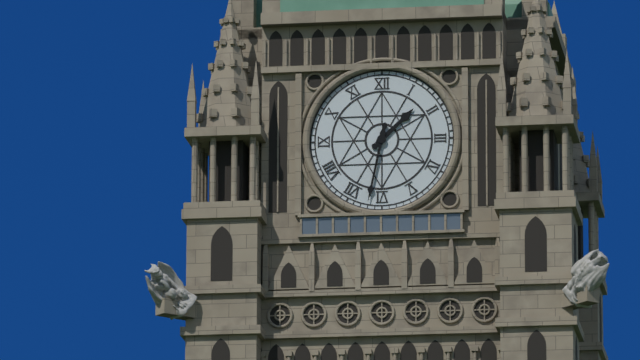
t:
1 h 32 min
